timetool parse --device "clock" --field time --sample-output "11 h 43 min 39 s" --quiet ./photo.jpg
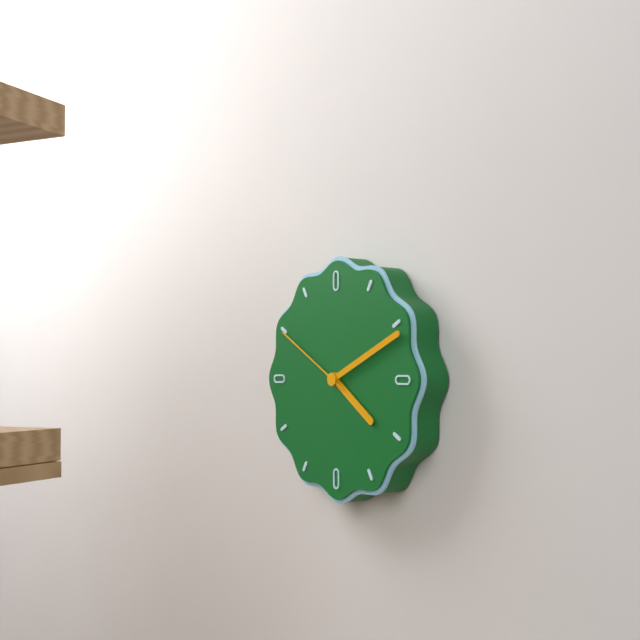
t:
4 h 11 min 50 s
